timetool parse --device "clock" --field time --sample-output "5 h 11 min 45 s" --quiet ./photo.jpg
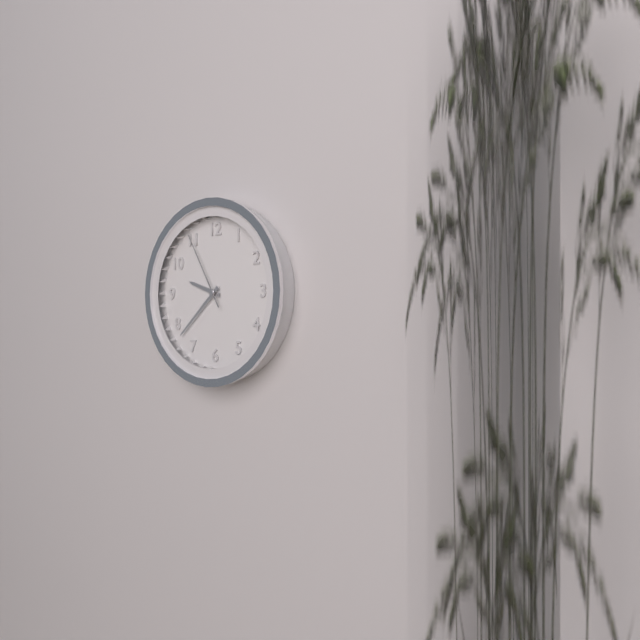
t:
9 h 38 min 55 s
